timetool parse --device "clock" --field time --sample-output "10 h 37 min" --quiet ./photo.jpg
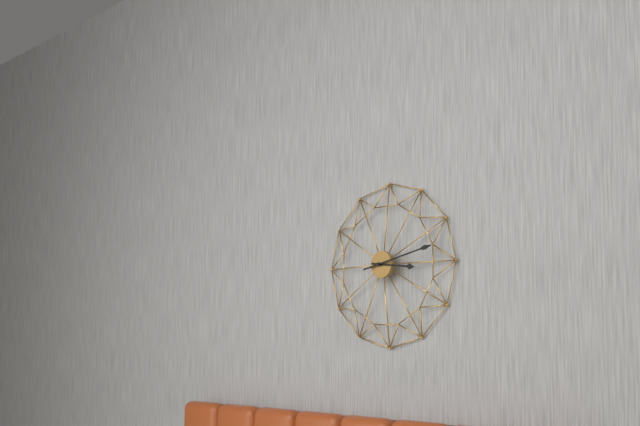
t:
3 h 13 min
